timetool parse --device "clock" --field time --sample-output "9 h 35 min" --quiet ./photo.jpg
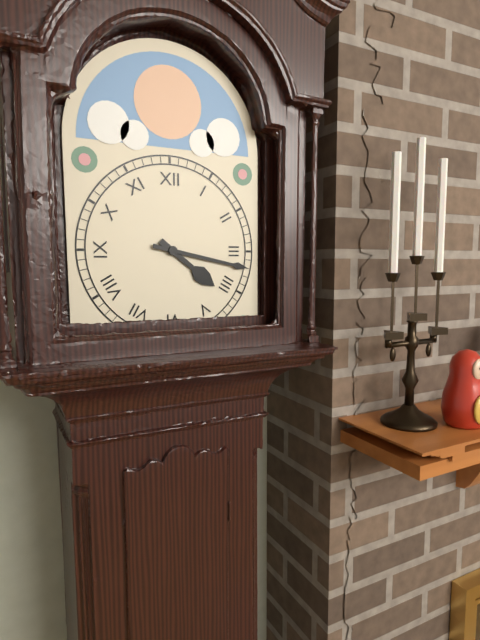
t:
4 h 17 min
